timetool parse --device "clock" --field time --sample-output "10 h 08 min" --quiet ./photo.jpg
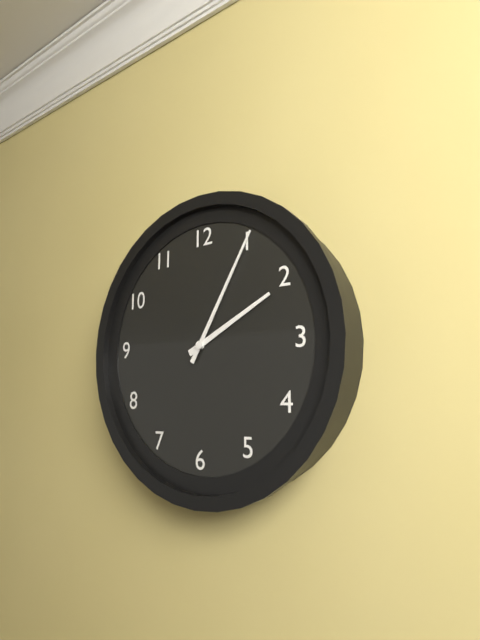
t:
2 h 05 min
